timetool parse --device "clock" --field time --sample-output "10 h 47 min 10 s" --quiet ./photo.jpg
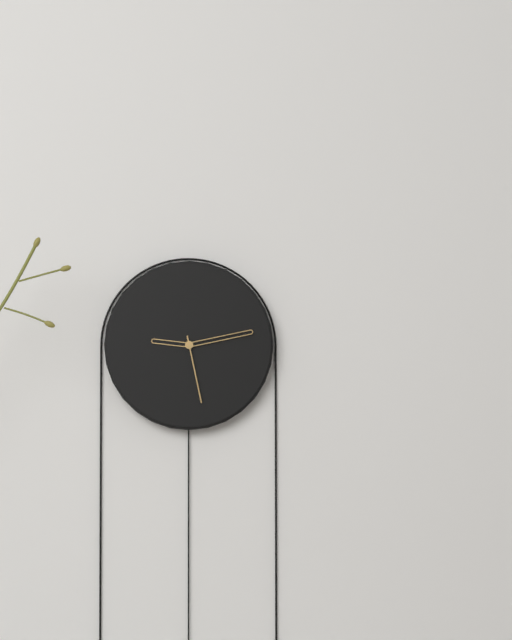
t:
9 h 13 min 28 s
